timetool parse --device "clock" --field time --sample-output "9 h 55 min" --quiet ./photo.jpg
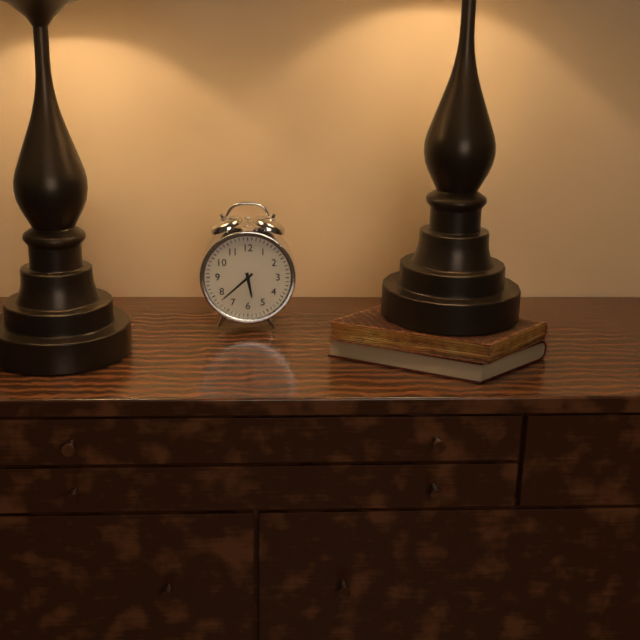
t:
5 h 38 min
